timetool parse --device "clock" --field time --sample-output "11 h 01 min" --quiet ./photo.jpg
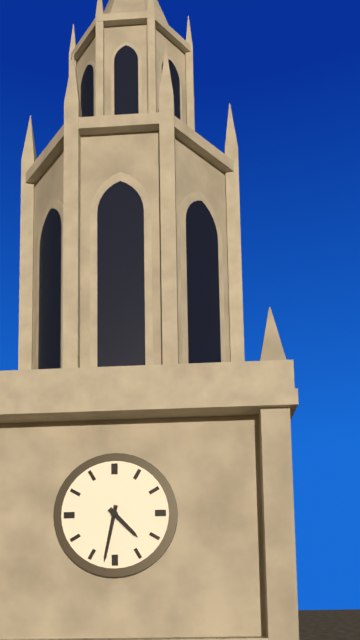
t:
4 h 32 min
